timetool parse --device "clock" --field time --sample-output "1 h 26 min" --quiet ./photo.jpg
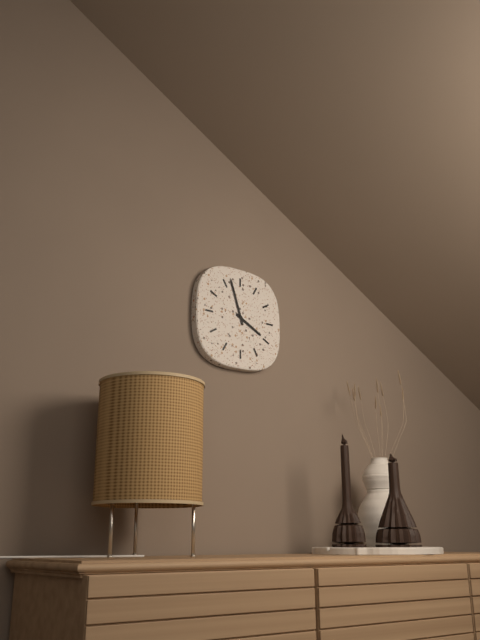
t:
3 h 57 min
